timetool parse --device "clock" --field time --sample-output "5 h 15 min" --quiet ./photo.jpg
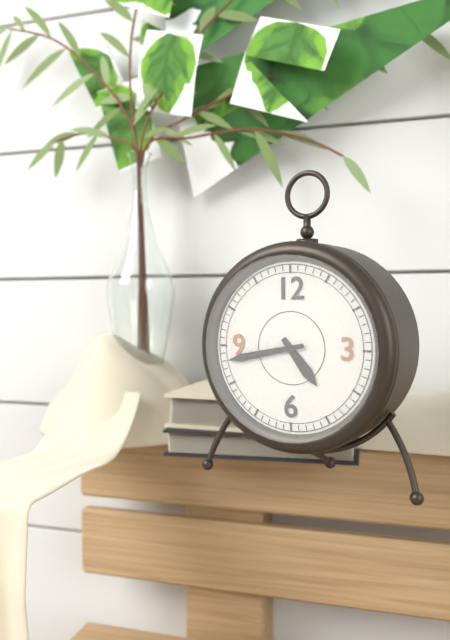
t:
4 h 43 min
